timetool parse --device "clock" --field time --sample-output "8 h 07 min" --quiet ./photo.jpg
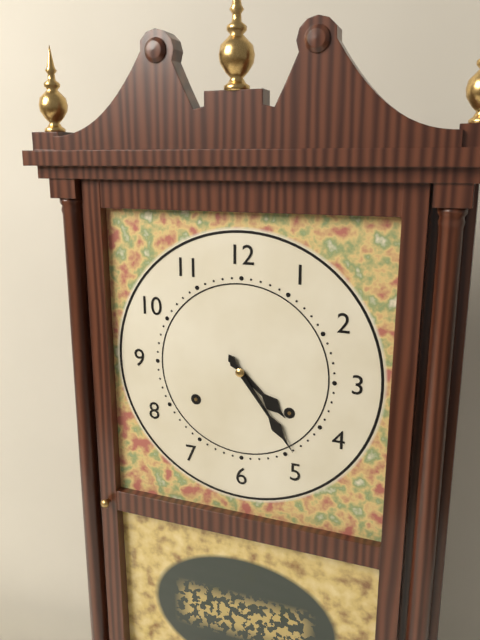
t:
4 h 24 min
